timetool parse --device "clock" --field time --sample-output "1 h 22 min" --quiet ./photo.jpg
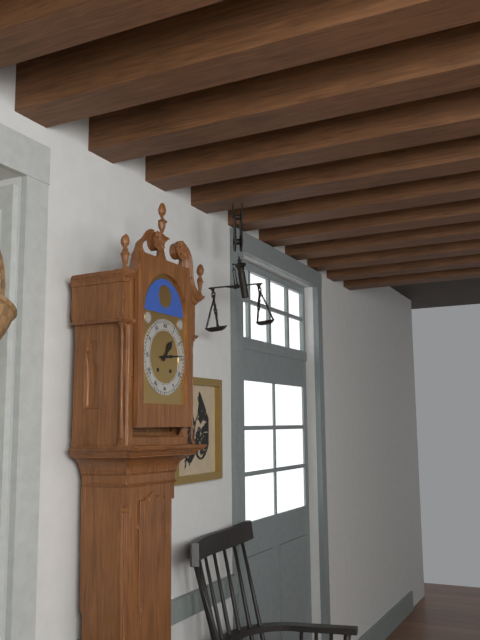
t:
1 h 14 min
